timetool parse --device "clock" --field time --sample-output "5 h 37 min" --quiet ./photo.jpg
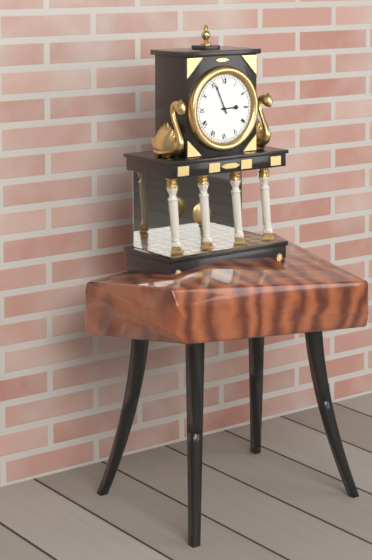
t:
2 h 56 min
